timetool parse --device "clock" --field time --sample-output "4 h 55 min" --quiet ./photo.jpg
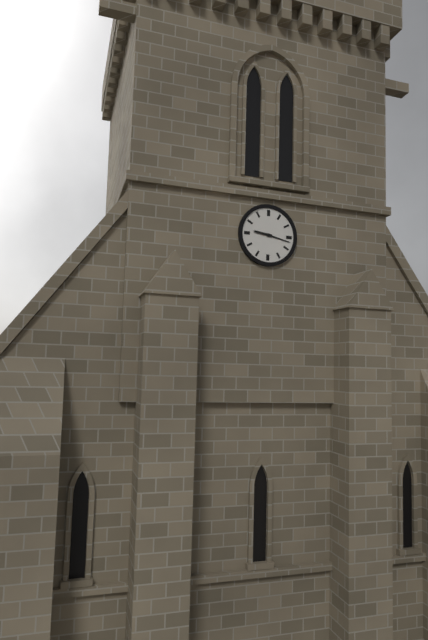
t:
9 h 17 min
